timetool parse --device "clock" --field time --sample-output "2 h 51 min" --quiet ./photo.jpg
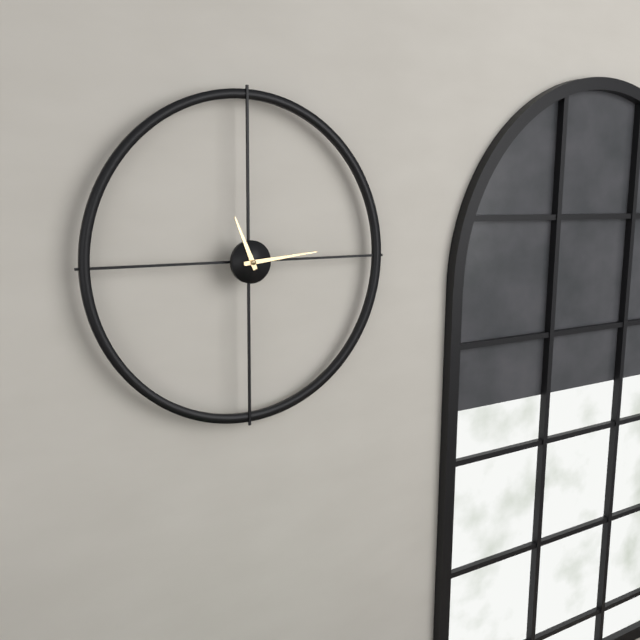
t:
11 h 14 min
